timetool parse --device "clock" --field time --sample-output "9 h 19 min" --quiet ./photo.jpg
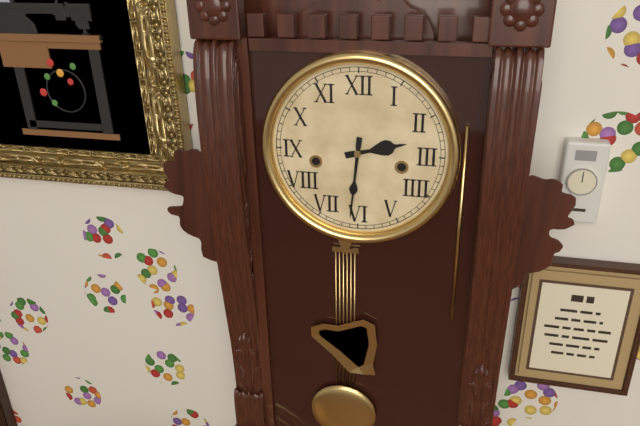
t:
2 h 31 min
